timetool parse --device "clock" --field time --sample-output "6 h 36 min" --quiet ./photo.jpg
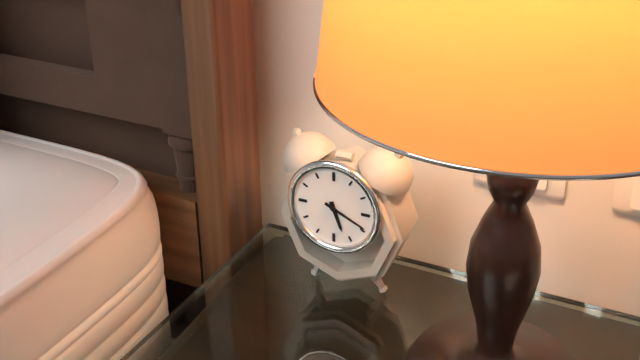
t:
5 h 19 min
